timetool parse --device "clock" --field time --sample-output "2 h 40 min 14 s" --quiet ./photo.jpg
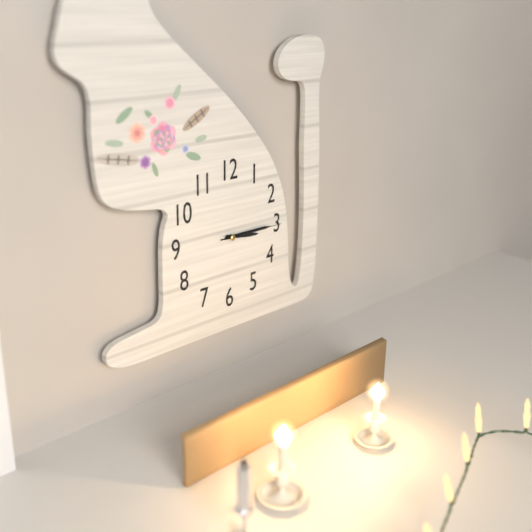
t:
3 h 15 min 15 s
